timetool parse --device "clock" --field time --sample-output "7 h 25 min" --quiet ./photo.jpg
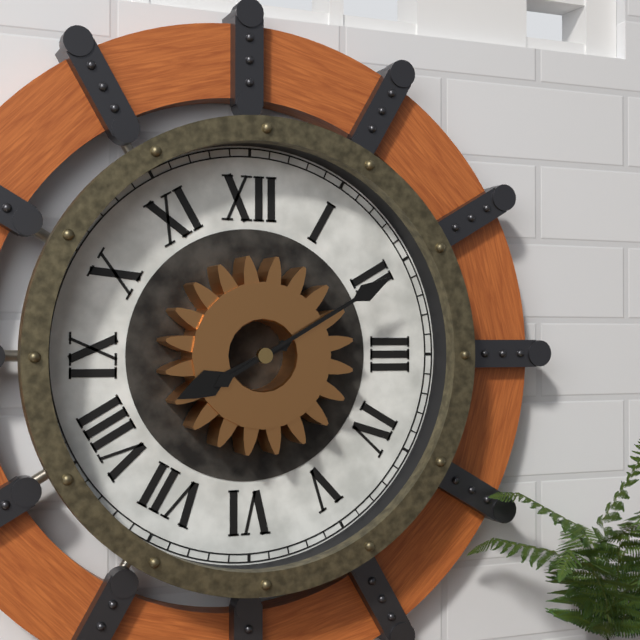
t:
8 h 10 min
